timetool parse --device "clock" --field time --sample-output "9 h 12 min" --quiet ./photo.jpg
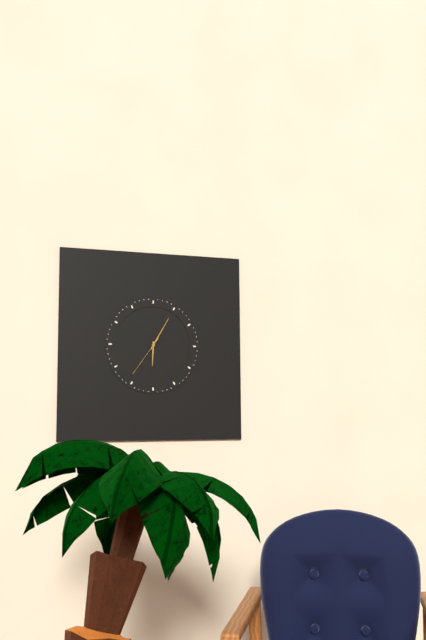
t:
6 h 05 min
